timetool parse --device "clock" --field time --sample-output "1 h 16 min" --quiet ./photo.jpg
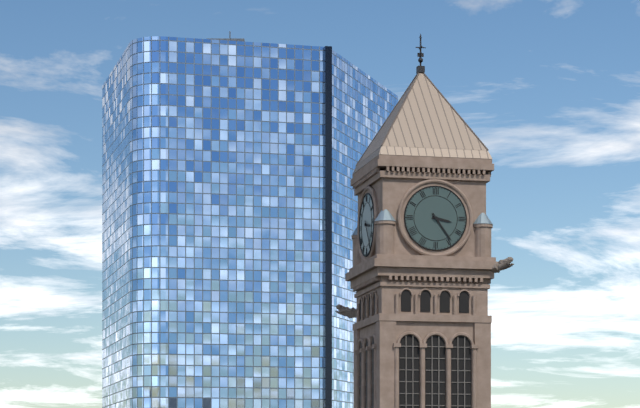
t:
3 h 24 min
